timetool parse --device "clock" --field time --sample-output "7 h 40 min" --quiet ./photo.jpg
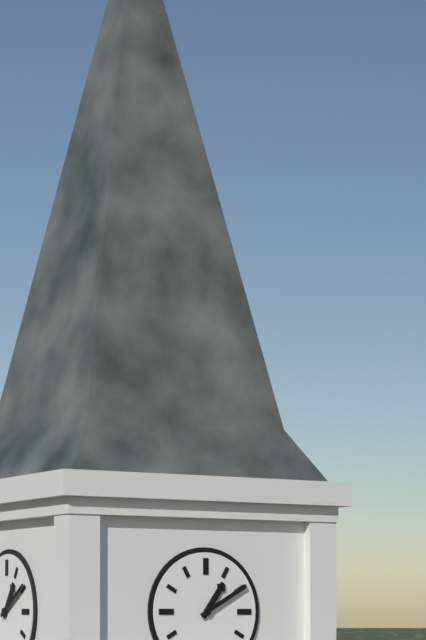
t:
1 h 10 min
